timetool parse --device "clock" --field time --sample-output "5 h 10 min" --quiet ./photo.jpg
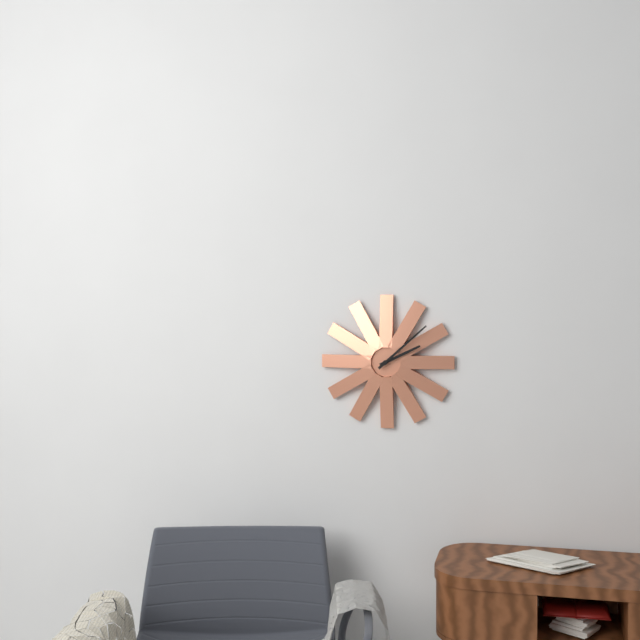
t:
2 h 08 min
